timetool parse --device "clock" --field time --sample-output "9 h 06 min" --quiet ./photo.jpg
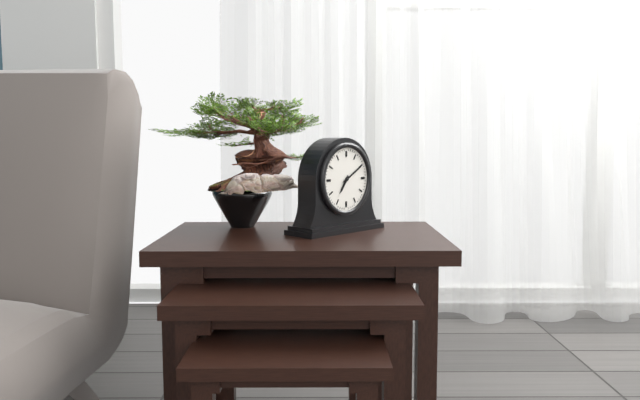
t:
7 h 10 min
